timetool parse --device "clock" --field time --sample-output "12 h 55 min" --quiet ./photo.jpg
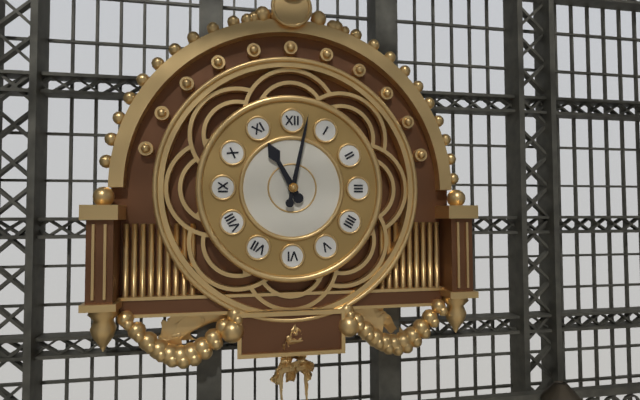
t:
11 h 02 min
